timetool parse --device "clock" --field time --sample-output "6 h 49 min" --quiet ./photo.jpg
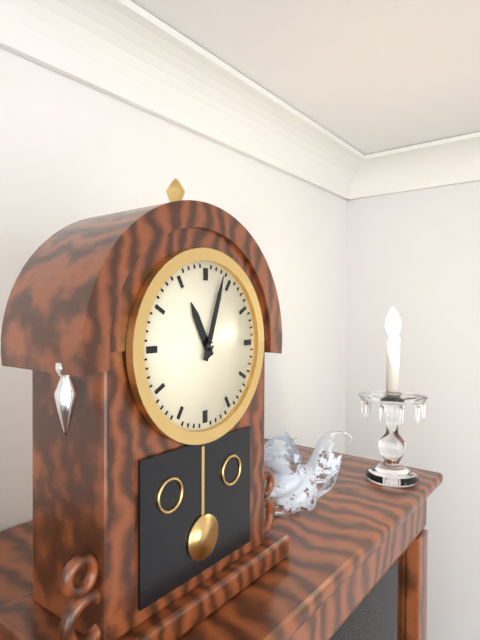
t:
11 h 03 min
